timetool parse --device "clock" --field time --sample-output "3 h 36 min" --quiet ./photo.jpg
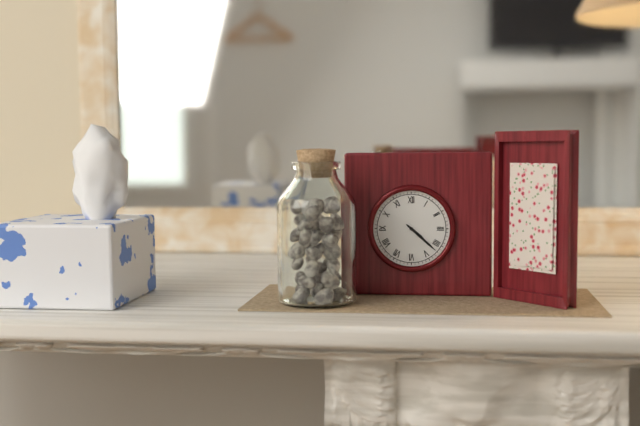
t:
4 h 22 min
